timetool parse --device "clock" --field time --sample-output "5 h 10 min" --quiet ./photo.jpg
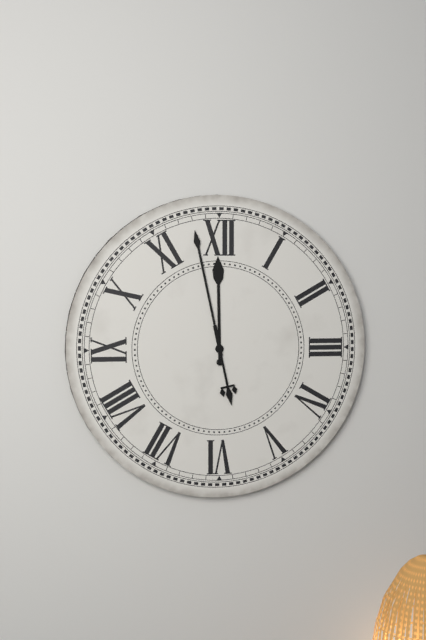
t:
11 h 58 min
